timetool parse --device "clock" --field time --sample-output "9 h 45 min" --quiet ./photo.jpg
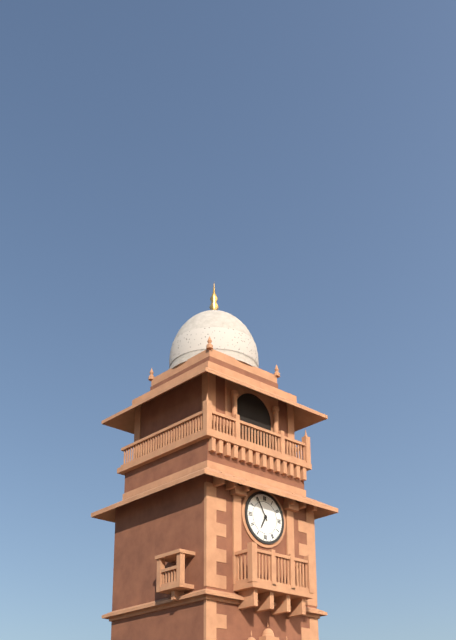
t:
6 h 55 min
